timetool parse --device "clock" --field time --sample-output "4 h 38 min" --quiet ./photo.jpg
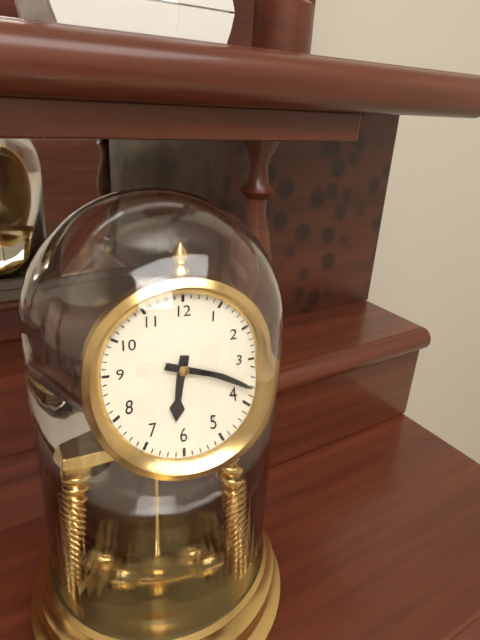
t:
6 h 18 min
